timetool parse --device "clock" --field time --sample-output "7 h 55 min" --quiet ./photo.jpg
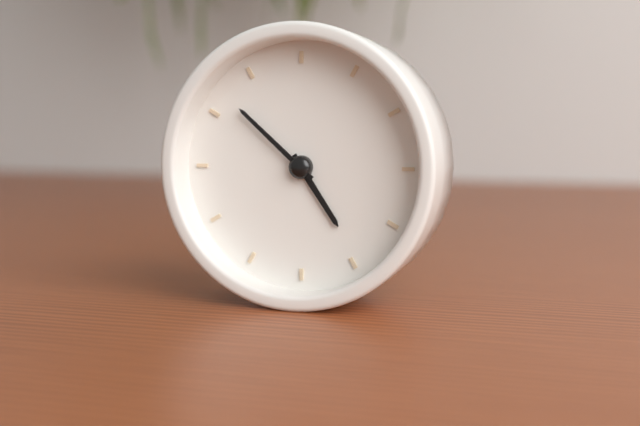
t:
4 h 52 min
